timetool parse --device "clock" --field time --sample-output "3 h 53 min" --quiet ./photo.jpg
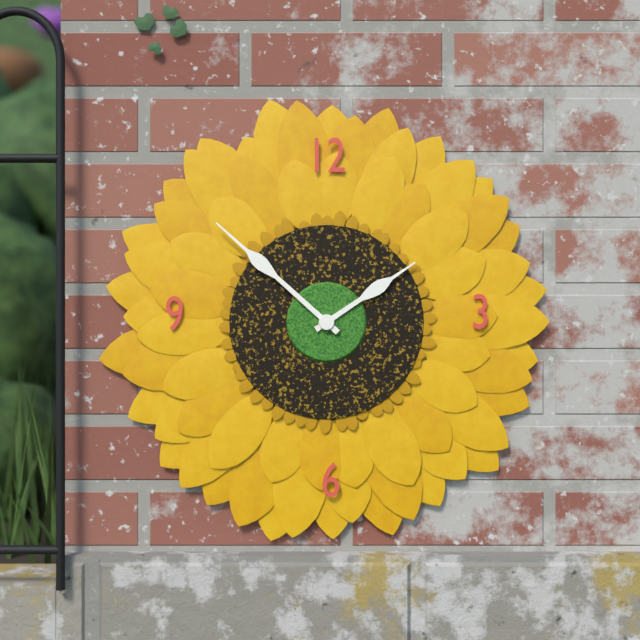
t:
1 h 52 min
